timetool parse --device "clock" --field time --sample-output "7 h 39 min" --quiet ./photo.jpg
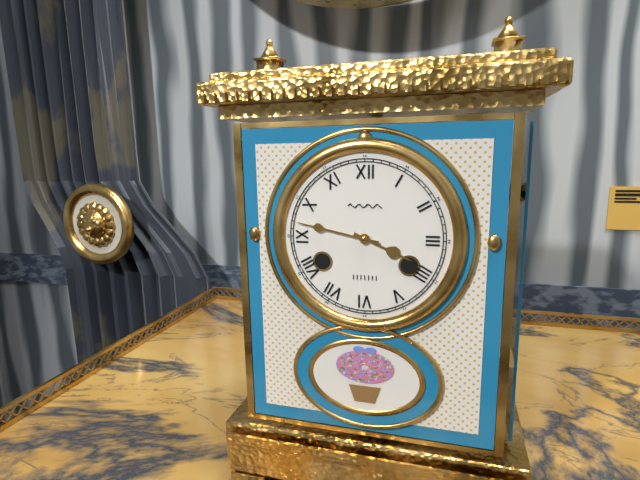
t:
3 h 47 min
